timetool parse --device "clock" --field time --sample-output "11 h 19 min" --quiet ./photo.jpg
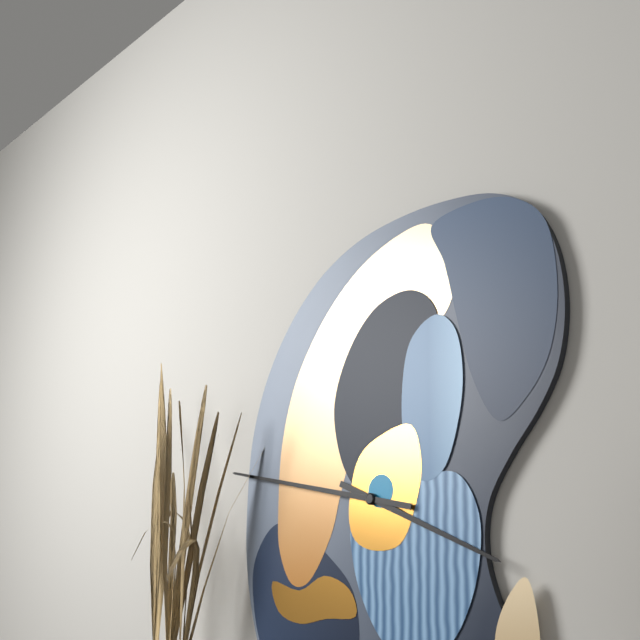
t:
3 h 47 min
